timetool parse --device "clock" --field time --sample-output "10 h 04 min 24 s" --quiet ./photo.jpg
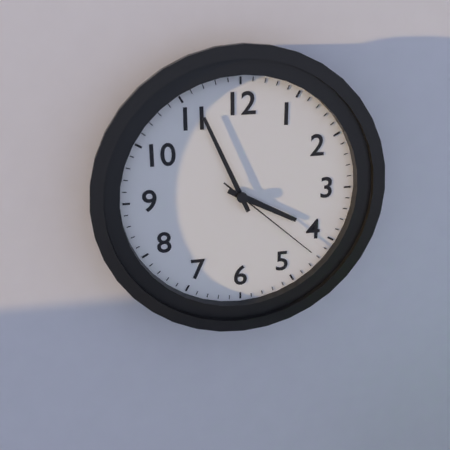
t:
3 h 56 min 22 s
